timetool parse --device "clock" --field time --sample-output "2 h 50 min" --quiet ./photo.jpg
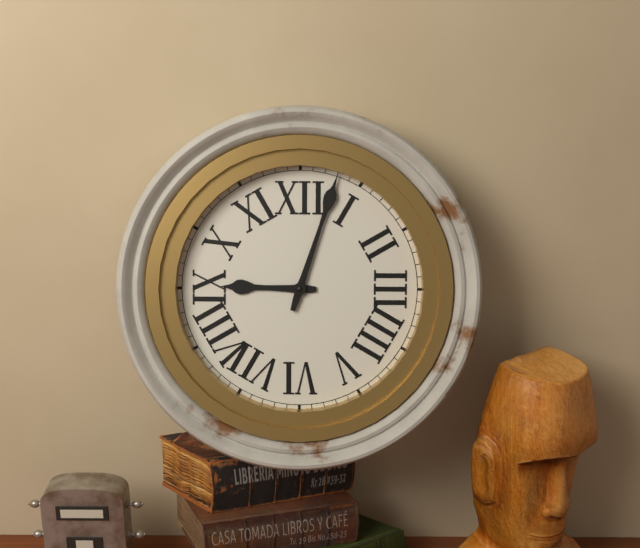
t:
9 h 03 min
